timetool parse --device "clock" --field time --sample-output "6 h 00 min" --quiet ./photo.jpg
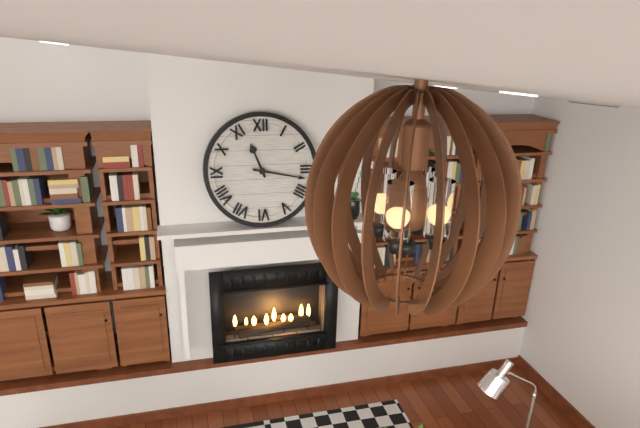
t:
11 h 17 min
